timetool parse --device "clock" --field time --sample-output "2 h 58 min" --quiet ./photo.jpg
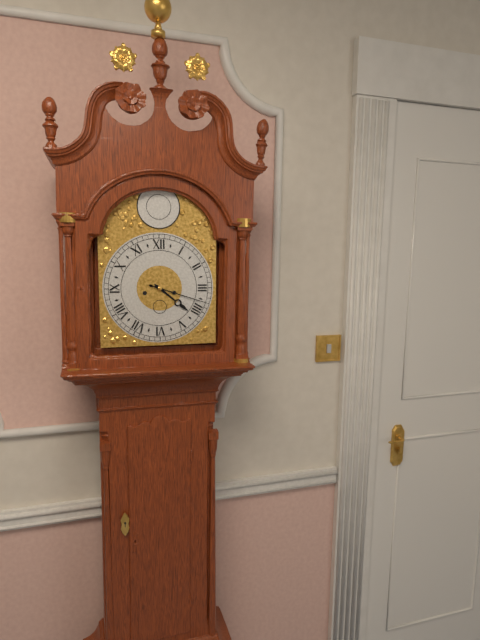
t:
4 h 18 min
